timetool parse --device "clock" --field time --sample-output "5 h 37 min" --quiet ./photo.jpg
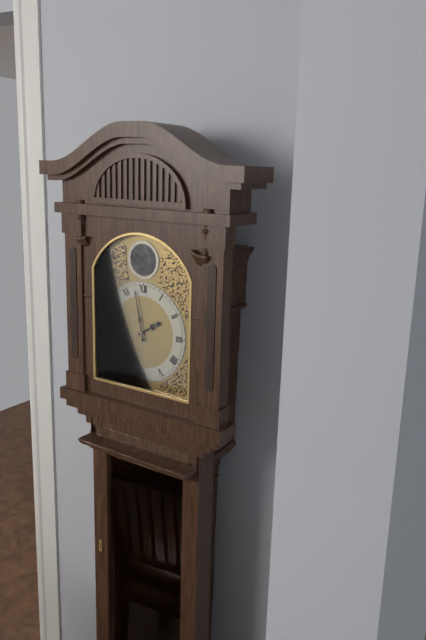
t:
1 h 58 min
